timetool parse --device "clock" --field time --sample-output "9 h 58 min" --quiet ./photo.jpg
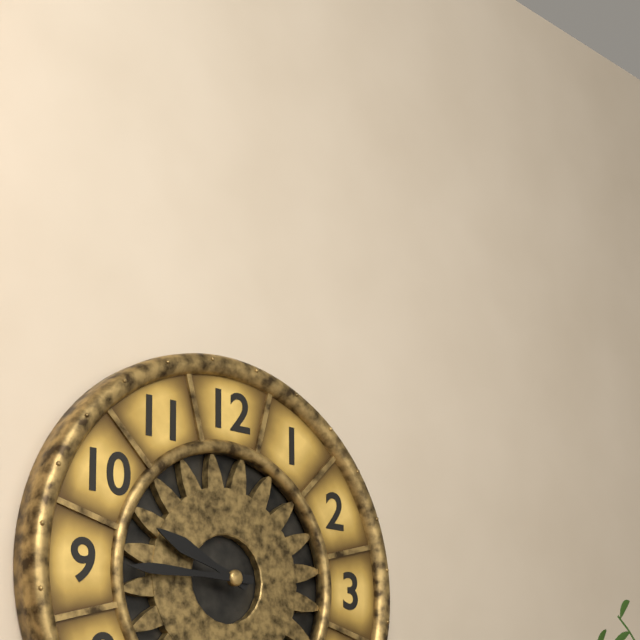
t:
9 h 45 min
